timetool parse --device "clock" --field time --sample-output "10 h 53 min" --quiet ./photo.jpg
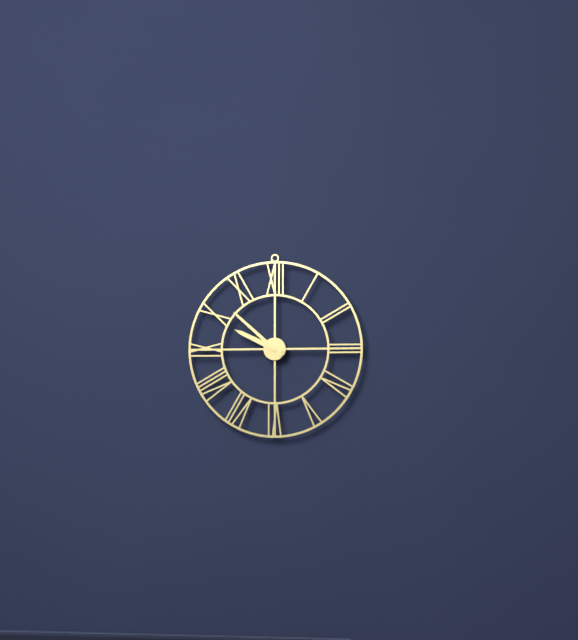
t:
9 h 52 min
